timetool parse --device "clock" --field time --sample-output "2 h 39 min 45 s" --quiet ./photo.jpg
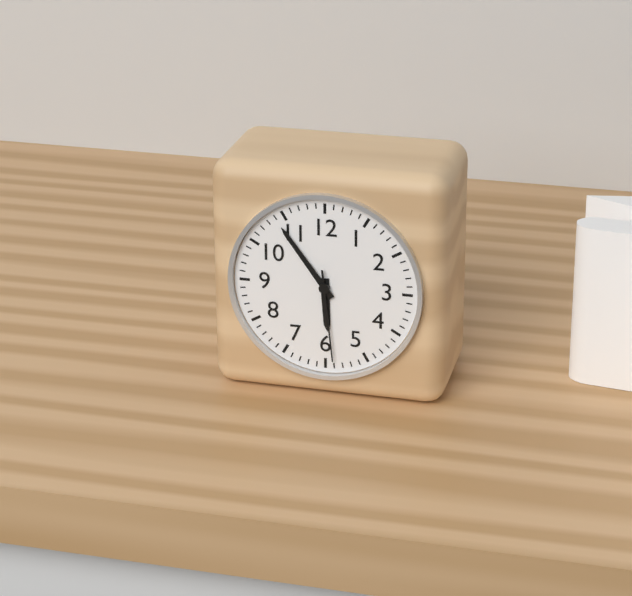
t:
5 h 54 min 29 s
